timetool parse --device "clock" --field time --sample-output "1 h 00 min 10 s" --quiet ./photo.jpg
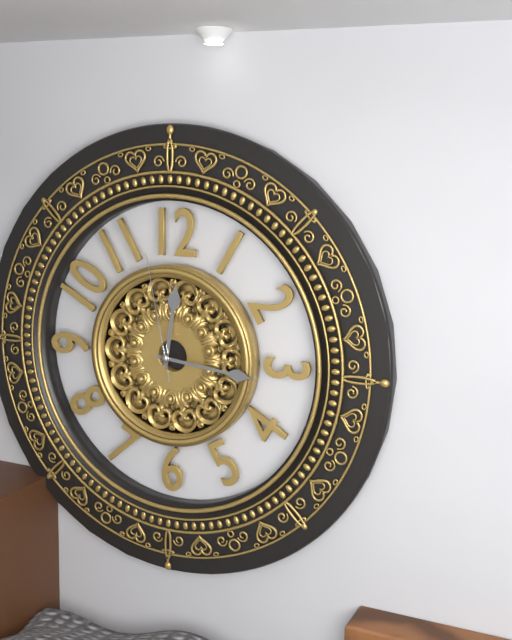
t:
12 h 16 min 58 s
